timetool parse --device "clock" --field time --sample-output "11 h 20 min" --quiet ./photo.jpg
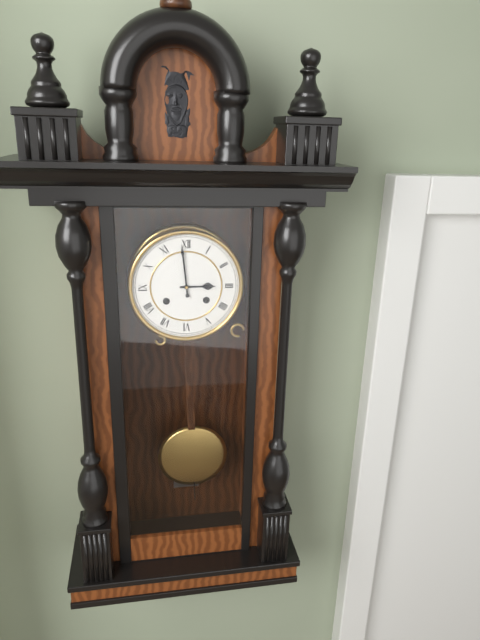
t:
2 h 59 min
